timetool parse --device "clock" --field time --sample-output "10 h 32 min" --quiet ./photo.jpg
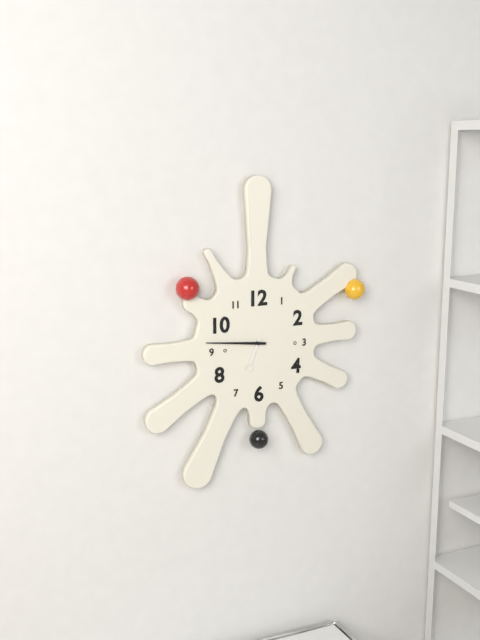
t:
6 h 46 min
